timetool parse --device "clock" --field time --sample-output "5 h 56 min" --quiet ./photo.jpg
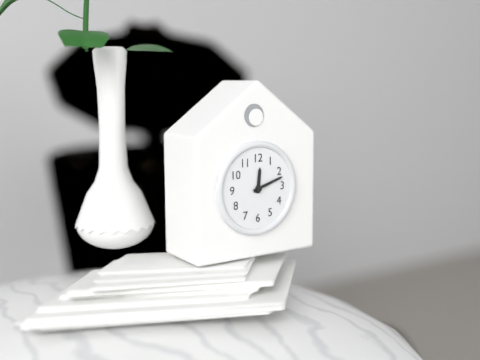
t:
12 h 12 min
